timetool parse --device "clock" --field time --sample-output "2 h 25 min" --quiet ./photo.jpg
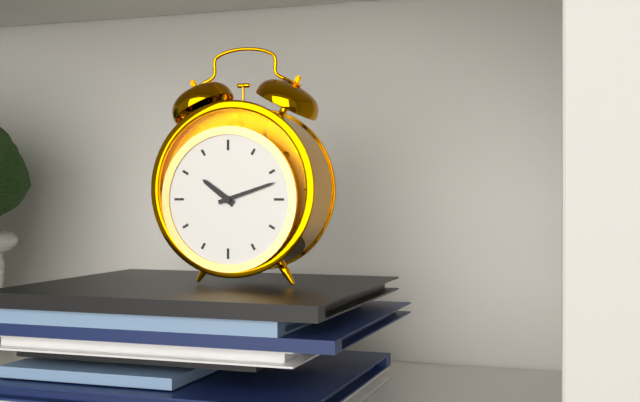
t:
10 h 12 min
